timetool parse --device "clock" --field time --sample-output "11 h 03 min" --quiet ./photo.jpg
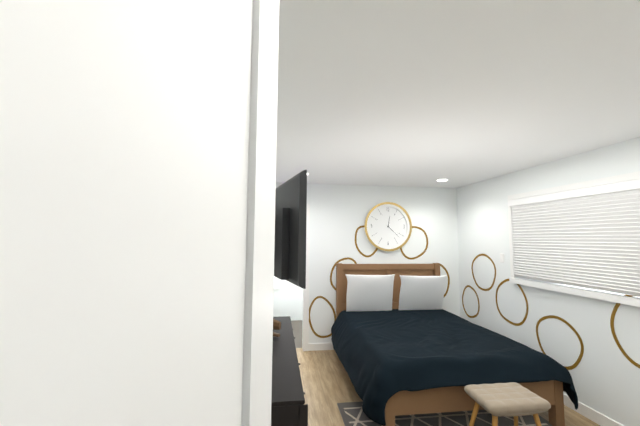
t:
12 h 22 min
